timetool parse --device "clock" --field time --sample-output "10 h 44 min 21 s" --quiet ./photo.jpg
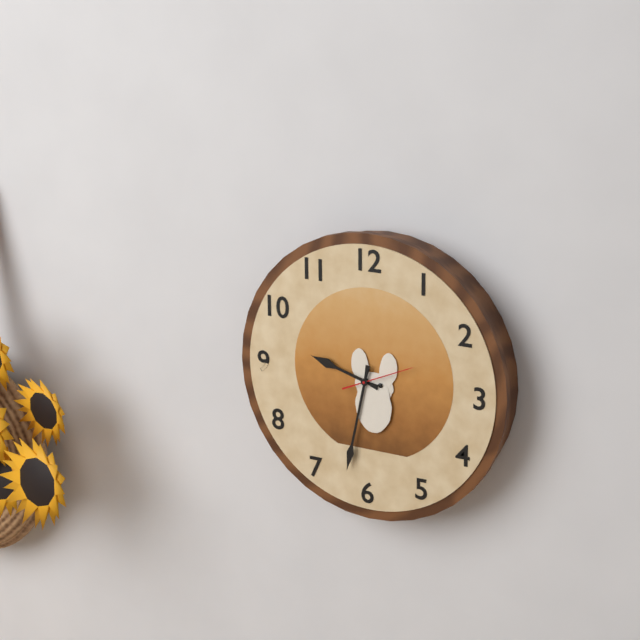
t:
9 h 32 min 11 s
